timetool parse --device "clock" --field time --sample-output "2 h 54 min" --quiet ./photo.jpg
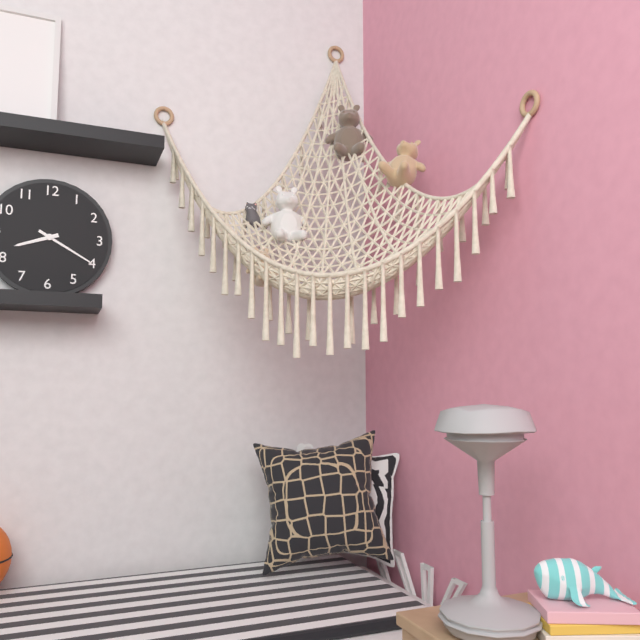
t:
8 h 20 min
